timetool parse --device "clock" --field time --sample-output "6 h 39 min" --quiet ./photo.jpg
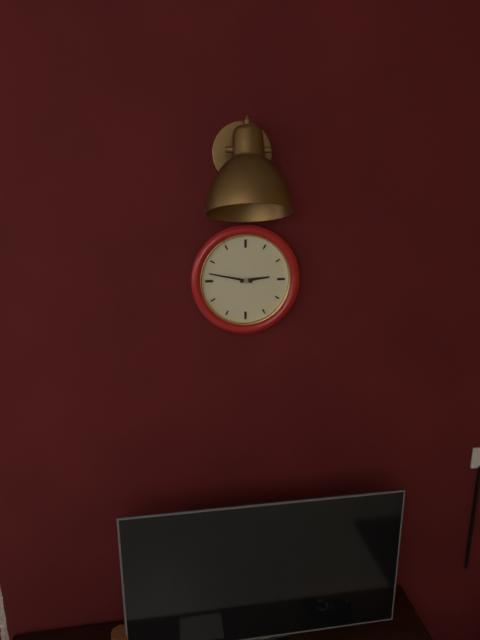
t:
2 h 47 min
